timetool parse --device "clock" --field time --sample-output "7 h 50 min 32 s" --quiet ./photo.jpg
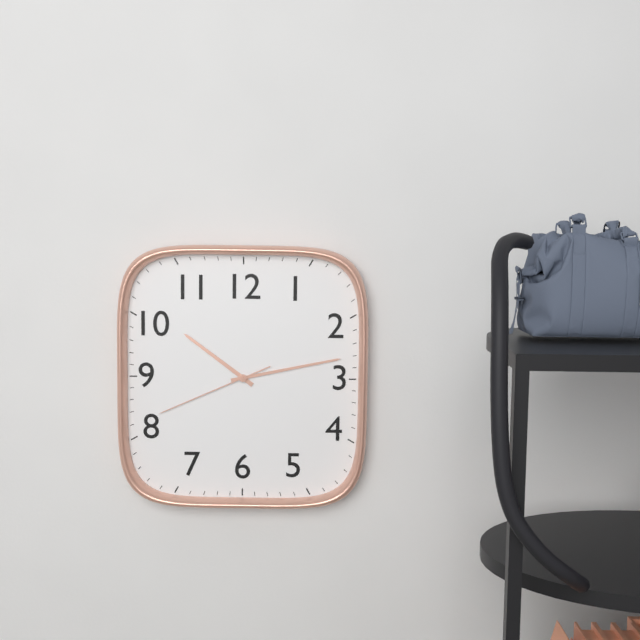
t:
10 h 13 min 41 s
